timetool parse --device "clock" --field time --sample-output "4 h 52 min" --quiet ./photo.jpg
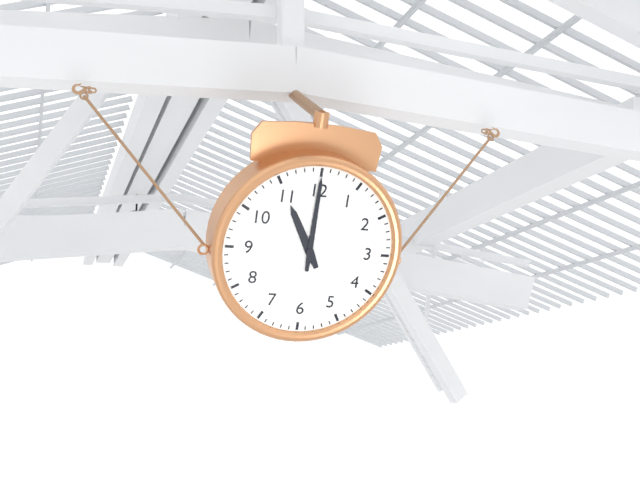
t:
11 h 00 min
